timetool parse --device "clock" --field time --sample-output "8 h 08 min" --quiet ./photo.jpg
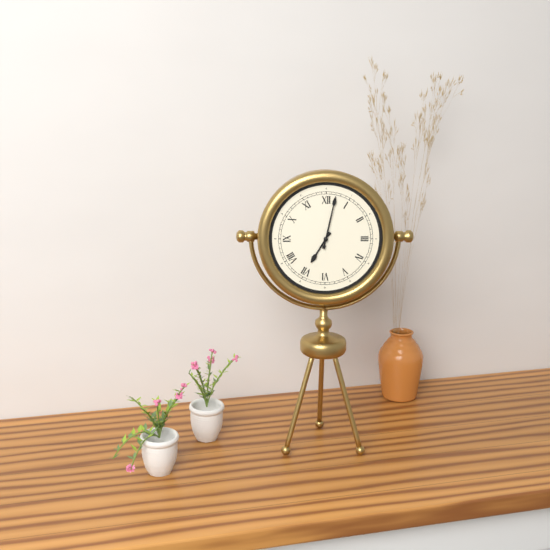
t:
7 h 02 min
